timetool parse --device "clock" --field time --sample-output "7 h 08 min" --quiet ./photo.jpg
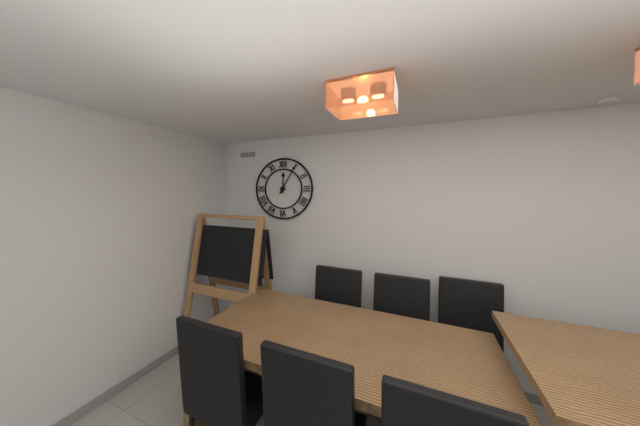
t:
12 h 05 min
